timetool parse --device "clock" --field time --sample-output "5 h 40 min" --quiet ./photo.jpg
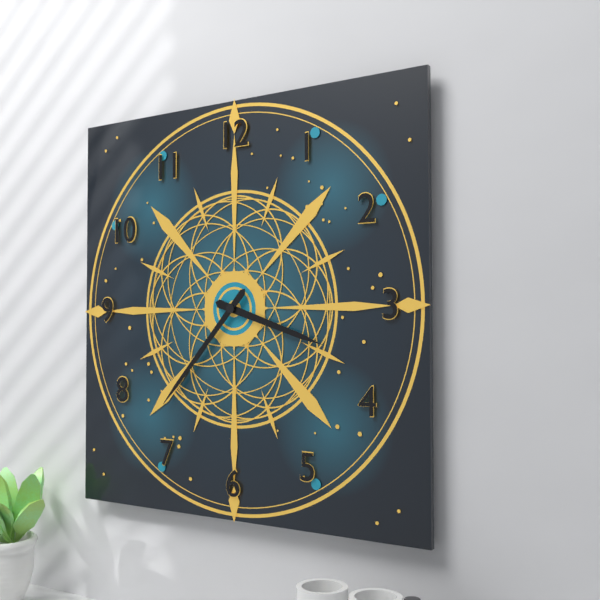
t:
3 h 37 min
